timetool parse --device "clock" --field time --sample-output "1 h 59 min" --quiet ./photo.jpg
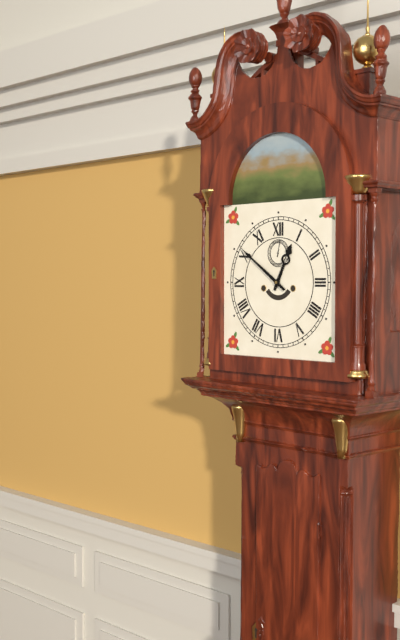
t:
12 h 51 min
